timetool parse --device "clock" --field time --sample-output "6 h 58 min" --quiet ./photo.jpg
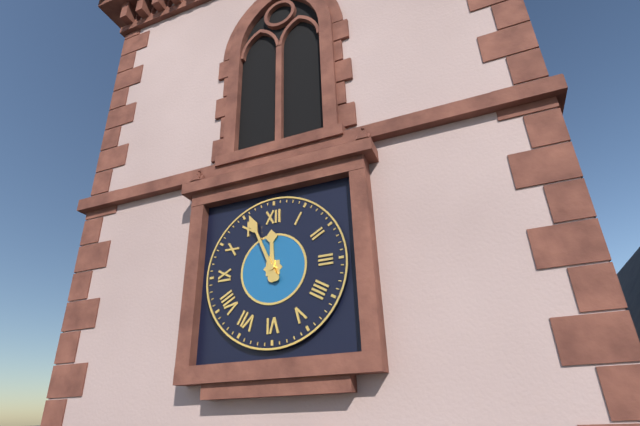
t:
11 h 56 min
